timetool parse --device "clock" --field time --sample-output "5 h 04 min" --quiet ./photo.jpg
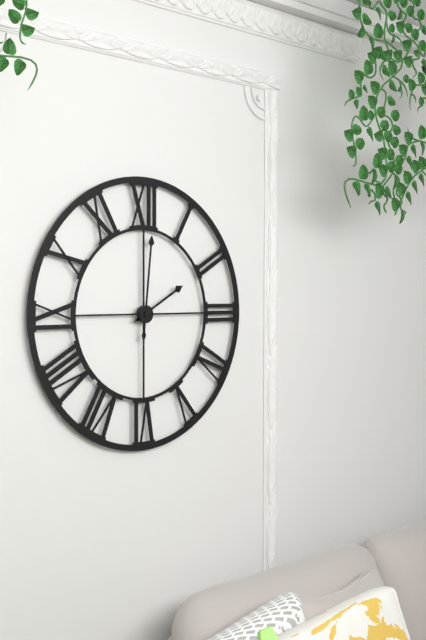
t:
2 h 01 min
